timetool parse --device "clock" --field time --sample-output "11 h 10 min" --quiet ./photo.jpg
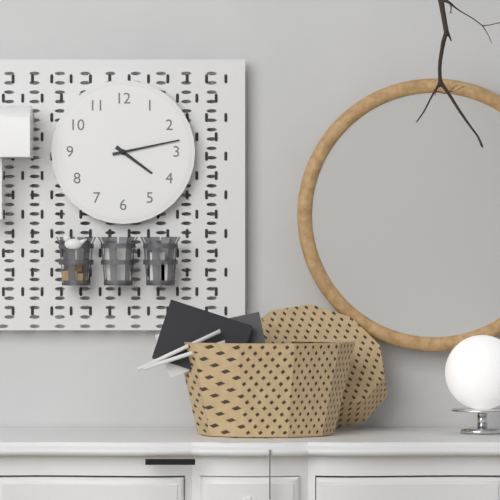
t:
4 h 13 min
